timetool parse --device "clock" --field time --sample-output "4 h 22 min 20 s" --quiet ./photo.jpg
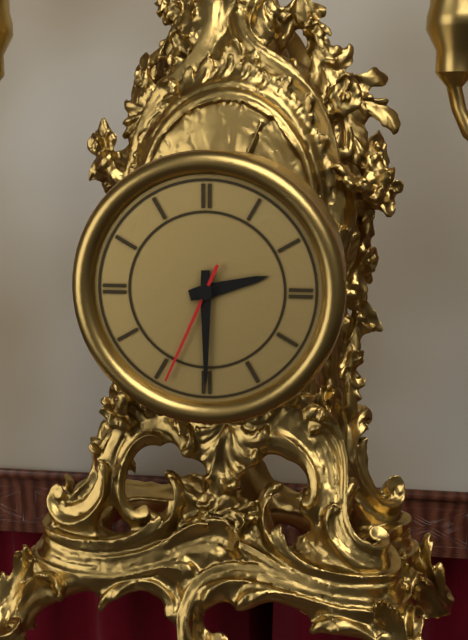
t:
2 h 30 min 34 s
